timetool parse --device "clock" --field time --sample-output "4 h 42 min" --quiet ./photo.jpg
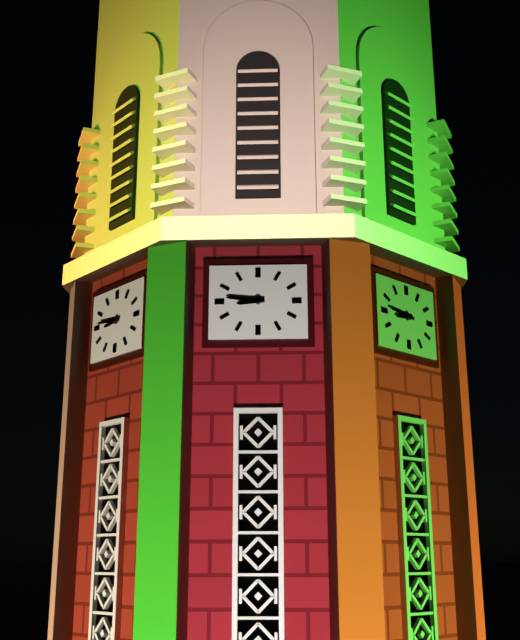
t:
8 h 46 min
